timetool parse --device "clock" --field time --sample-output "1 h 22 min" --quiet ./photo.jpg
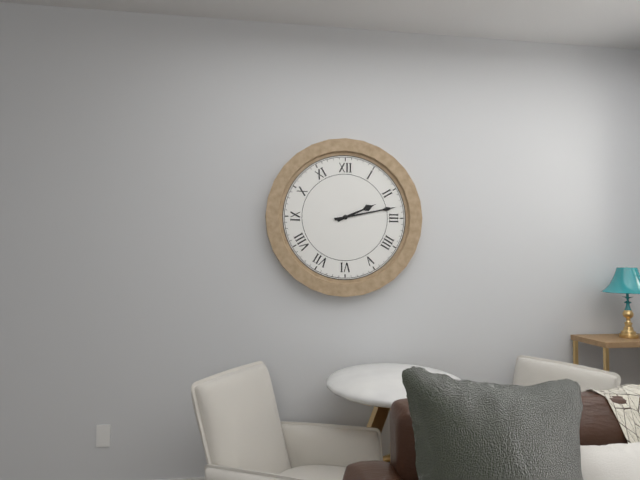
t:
2 h 13 min
